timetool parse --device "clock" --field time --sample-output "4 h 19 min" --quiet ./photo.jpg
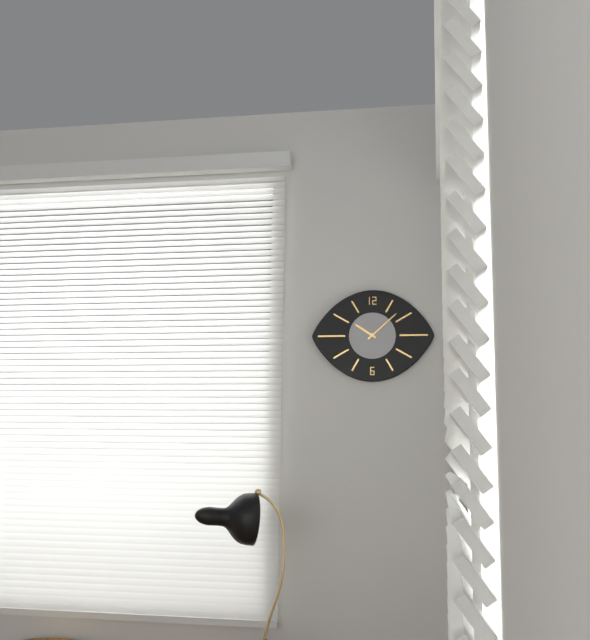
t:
10 h 08 min
